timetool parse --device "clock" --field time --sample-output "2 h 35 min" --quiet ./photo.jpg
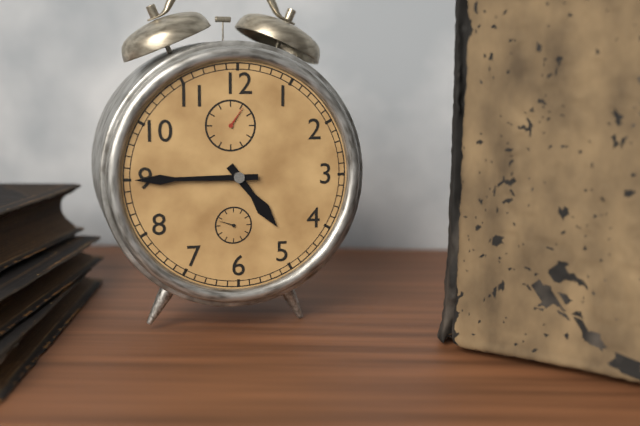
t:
4 h 45 min
